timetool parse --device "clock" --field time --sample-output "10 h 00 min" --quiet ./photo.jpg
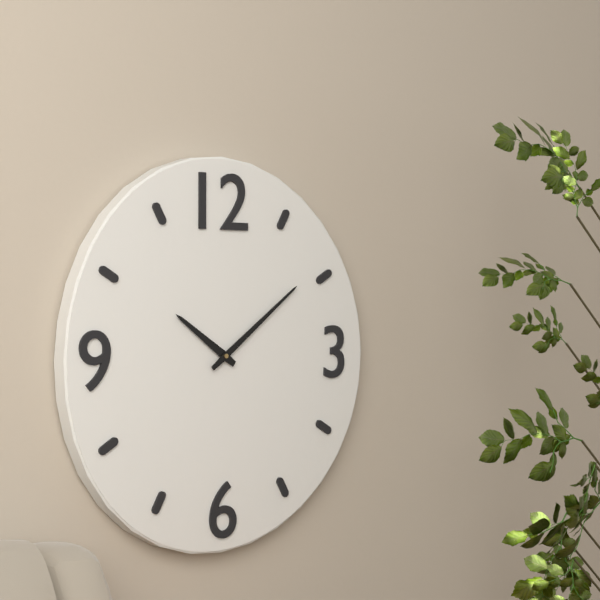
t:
10 h 09 min
